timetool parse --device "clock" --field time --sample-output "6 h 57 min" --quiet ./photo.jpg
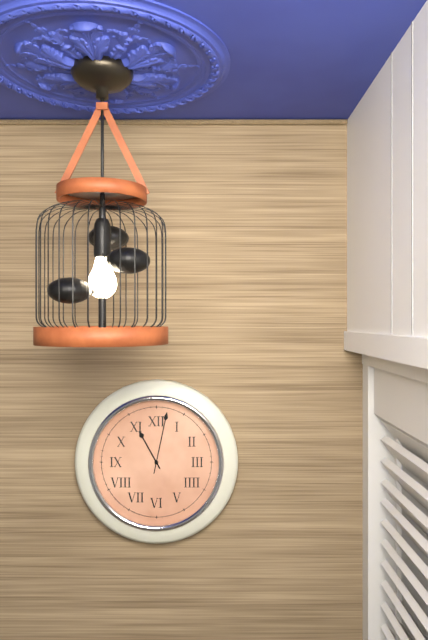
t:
11 h 02 min
